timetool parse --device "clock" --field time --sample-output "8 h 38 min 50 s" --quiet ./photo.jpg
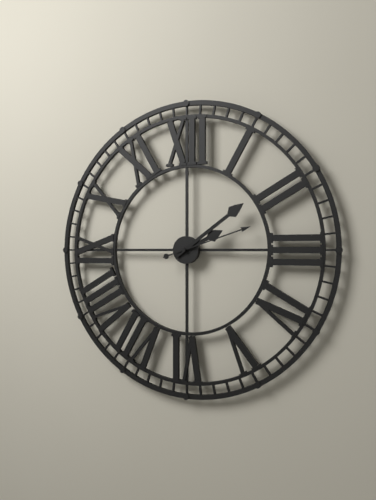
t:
2 h 09 min 12 s
